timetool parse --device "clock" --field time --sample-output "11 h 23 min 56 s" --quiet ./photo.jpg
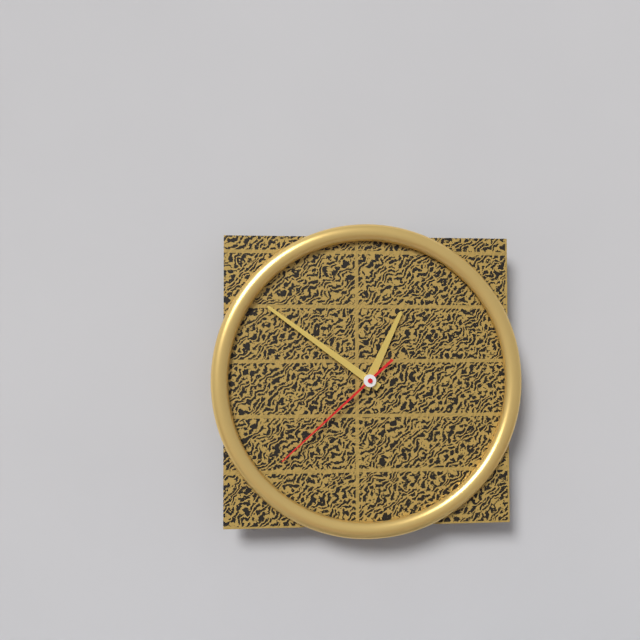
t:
12 h 51 min 38 s
